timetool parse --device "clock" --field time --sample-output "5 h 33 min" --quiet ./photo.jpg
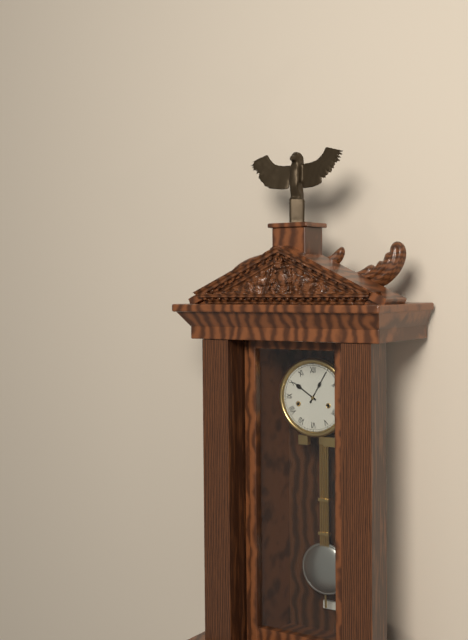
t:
10 h 05 min
